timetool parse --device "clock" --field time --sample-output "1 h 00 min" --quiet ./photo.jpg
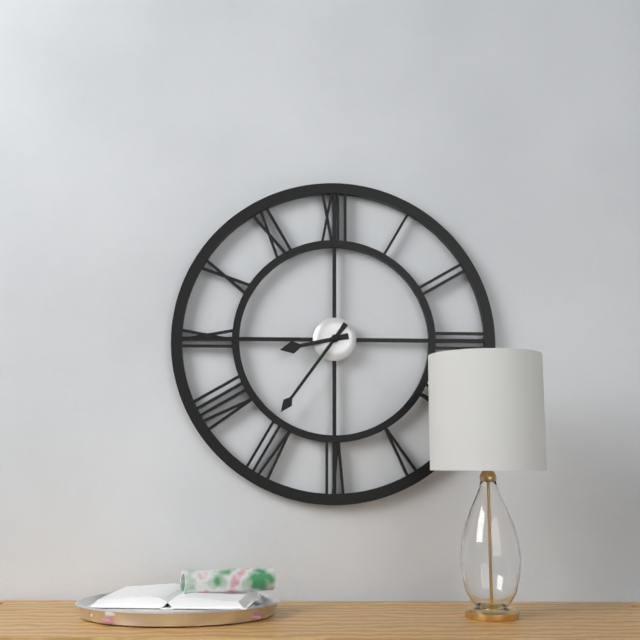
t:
8 h 36 min
